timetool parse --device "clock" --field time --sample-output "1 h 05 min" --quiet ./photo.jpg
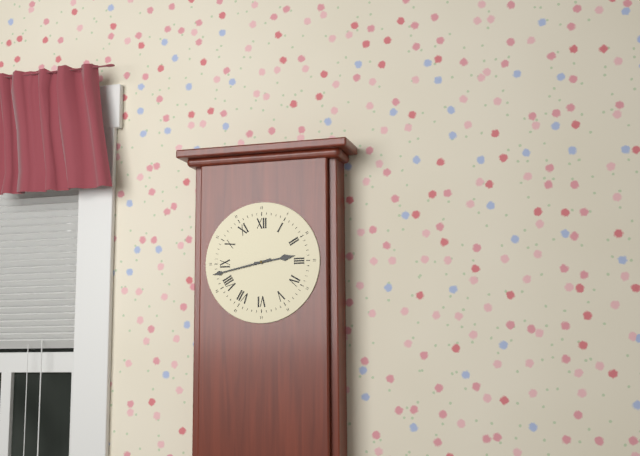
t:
2 h 43 min
